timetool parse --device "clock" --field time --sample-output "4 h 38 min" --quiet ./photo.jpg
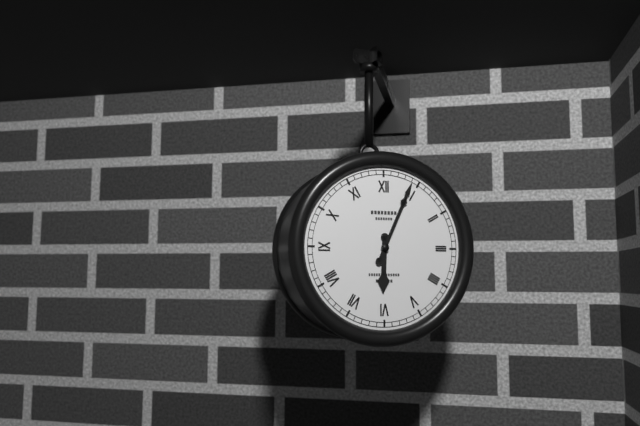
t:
6 h 04 min
